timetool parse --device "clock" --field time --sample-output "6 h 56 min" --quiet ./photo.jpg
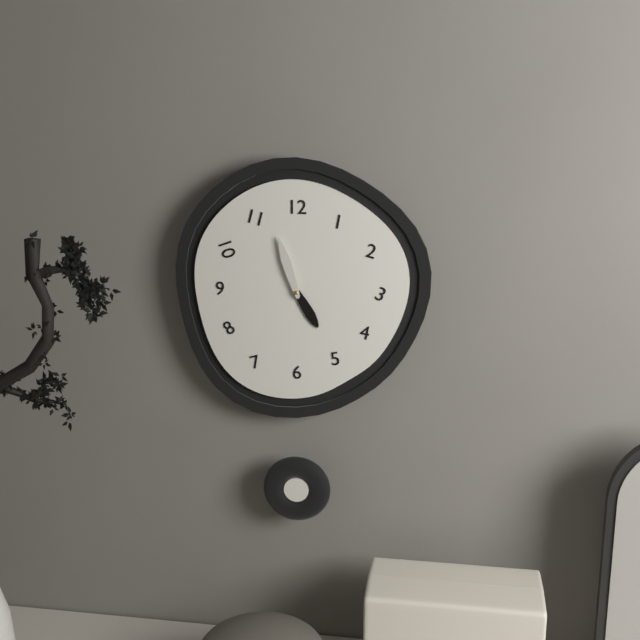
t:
4 h 57 min
